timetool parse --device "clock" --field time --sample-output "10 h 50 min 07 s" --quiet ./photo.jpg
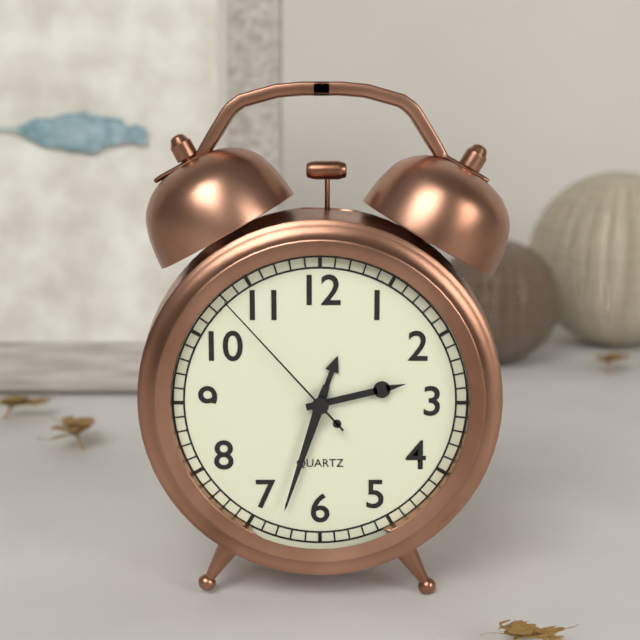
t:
2 h 33 min 53 s
